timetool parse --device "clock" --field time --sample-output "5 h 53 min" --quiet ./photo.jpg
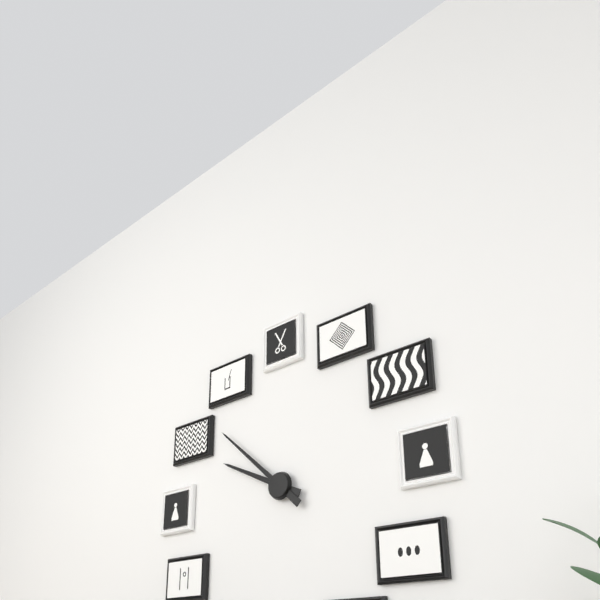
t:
9 h 52 min
